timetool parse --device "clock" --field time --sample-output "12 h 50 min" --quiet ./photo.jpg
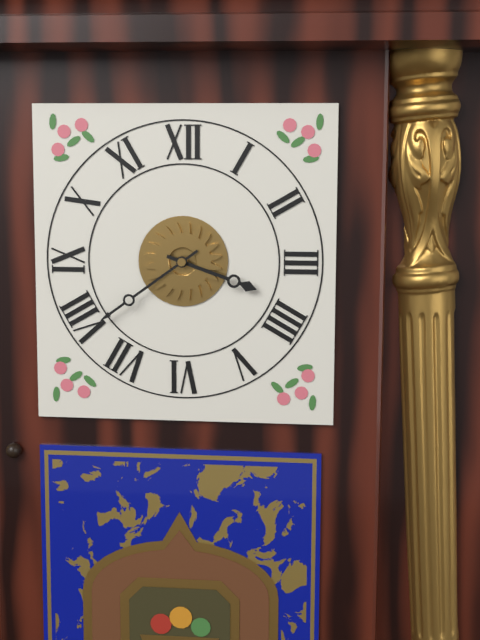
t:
3 h 39 min
